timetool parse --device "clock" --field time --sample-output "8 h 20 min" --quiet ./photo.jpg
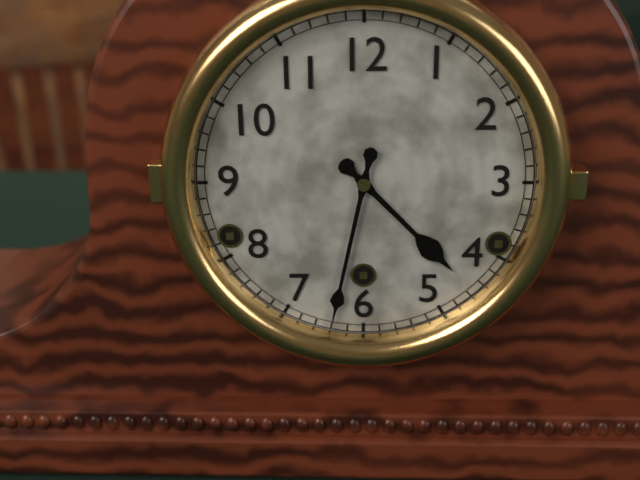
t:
4 h 32 min
